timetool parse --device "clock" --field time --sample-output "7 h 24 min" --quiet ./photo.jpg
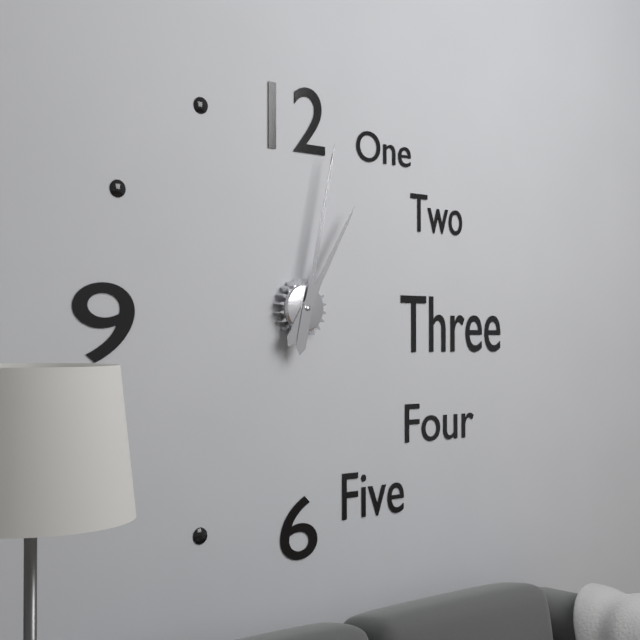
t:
1 h 02 min
